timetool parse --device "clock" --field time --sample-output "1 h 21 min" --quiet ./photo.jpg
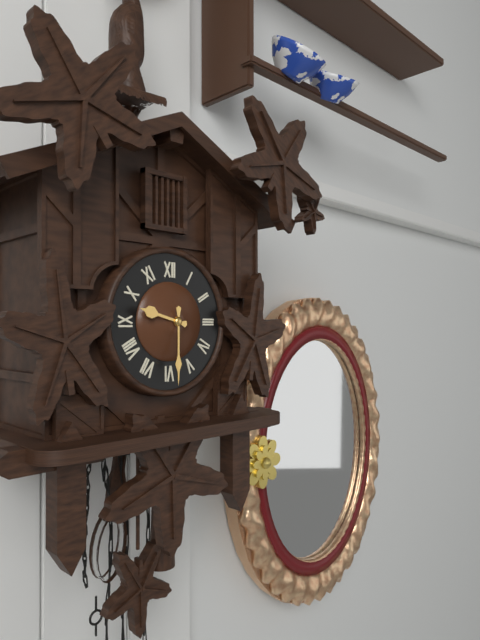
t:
9 h 30 min
